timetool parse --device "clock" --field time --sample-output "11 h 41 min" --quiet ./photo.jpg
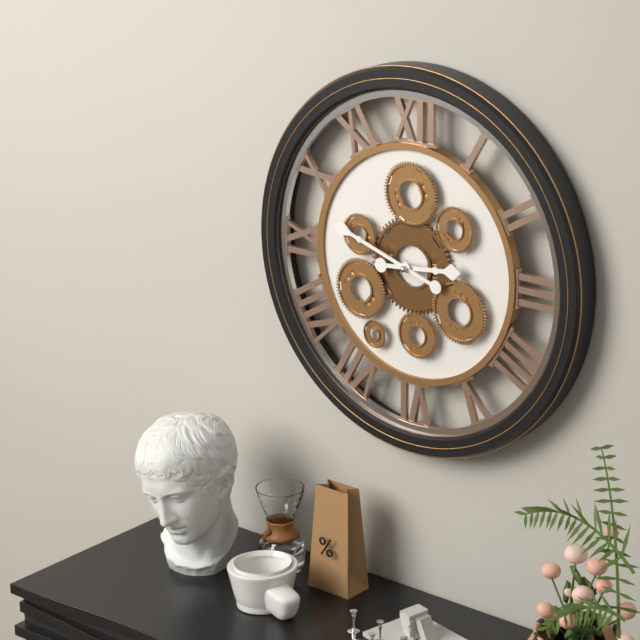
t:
2 h 48 min
